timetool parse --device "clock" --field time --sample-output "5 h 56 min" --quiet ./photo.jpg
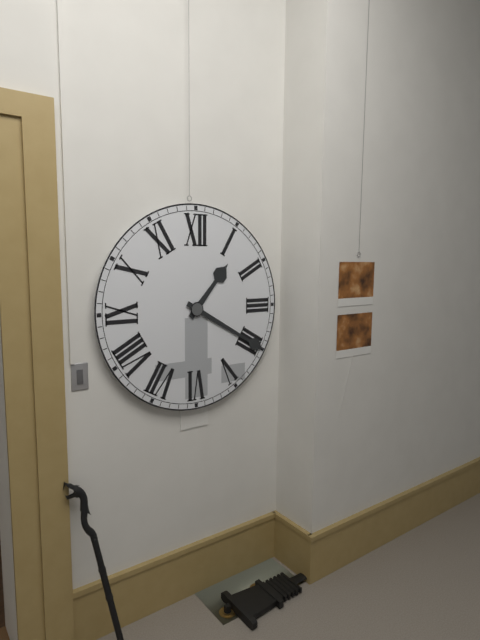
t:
1 h 20 min
